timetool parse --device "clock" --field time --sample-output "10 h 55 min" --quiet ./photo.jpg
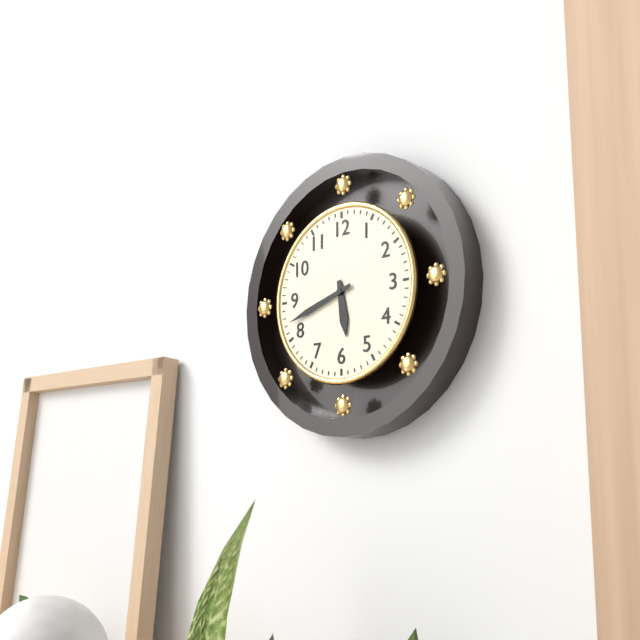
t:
5 h 42 min
